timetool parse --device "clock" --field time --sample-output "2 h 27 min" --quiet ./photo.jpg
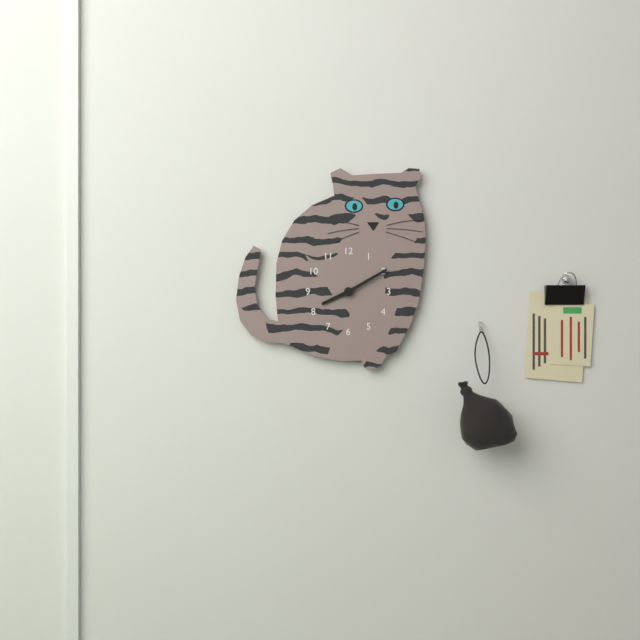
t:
8 h 10 min
